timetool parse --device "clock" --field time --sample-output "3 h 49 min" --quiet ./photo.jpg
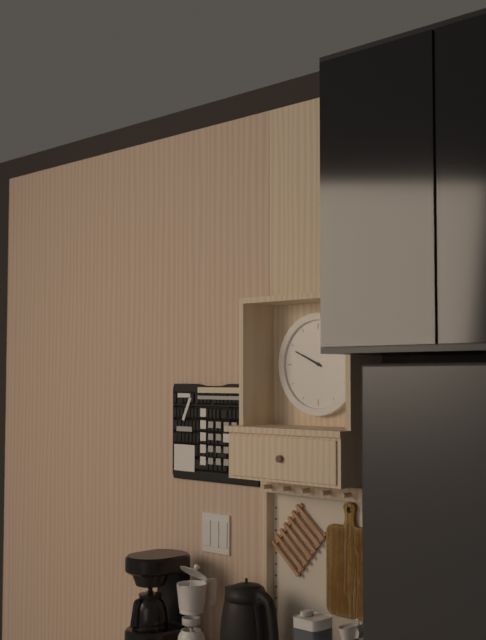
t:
9 h 49 min
